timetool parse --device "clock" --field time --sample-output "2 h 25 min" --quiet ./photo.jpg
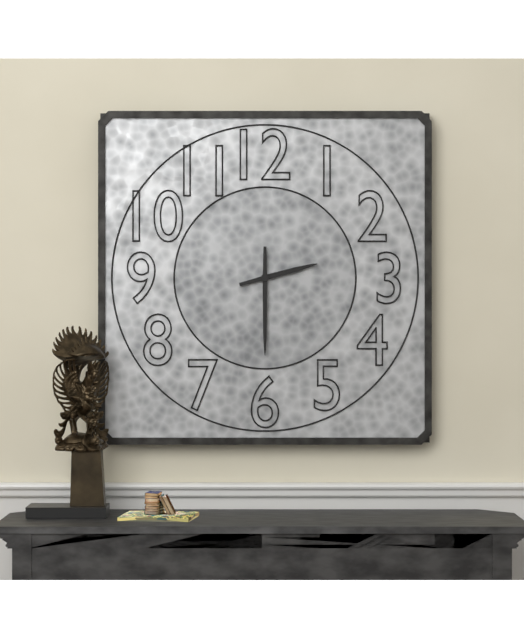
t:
2 h 30 min
